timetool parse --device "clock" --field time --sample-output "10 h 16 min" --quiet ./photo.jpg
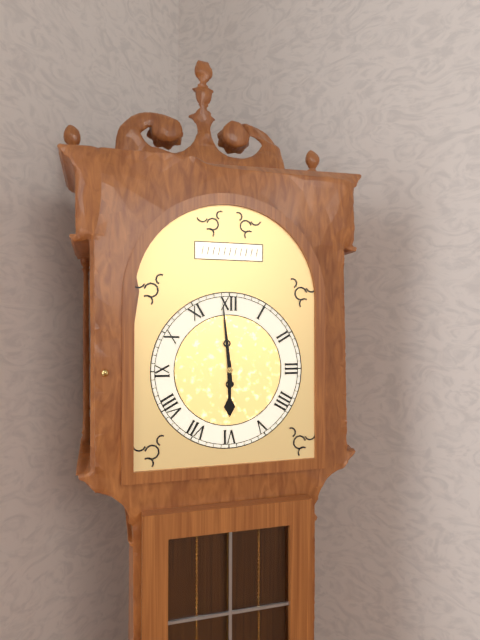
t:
5 h 59 min
